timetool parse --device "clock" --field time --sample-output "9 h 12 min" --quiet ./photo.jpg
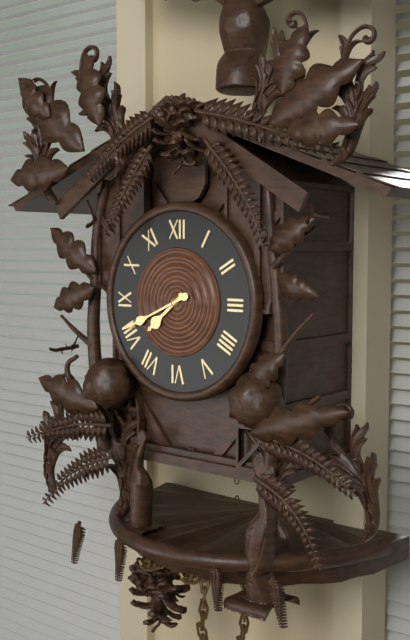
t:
7 h 41 min
